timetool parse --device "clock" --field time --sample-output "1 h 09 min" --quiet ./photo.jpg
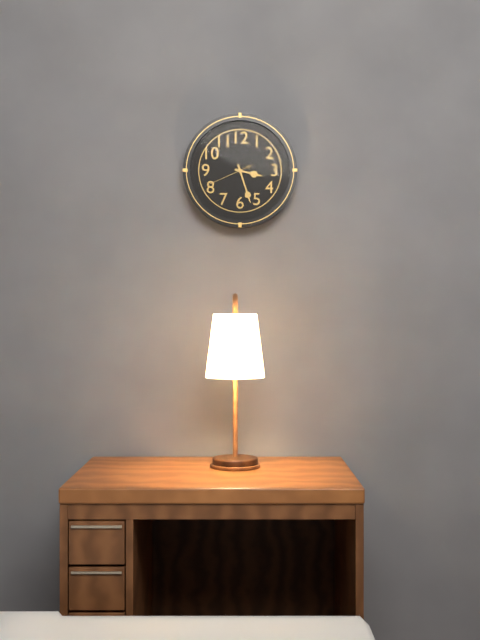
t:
3 h 27 min
